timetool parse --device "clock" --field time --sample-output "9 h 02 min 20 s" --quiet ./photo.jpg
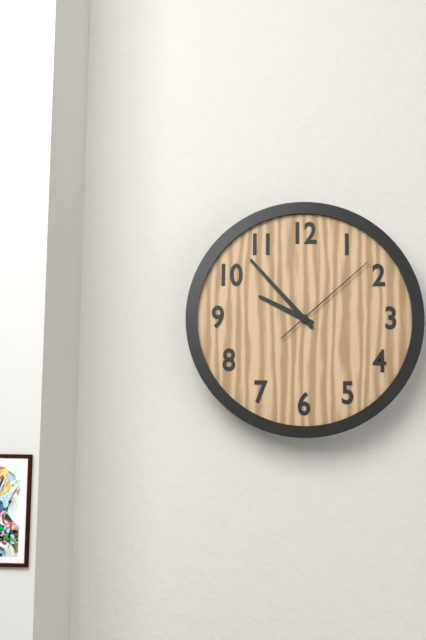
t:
9 h 53 min 08 s
